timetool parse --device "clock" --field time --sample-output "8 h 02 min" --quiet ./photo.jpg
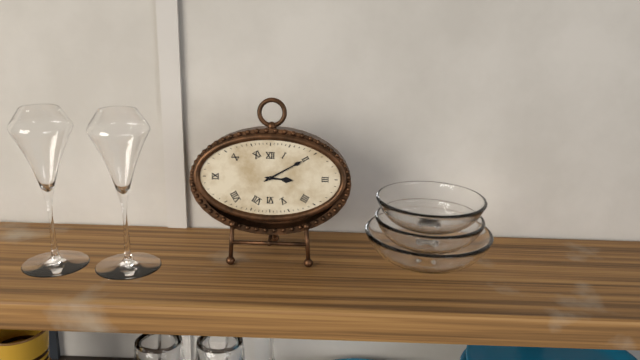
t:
3 h 10 min
